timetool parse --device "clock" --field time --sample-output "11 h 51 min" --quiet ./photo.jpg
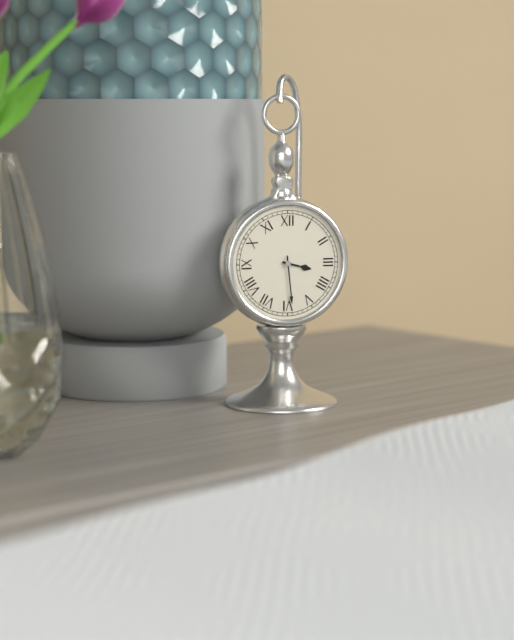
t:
3 h 29 min
